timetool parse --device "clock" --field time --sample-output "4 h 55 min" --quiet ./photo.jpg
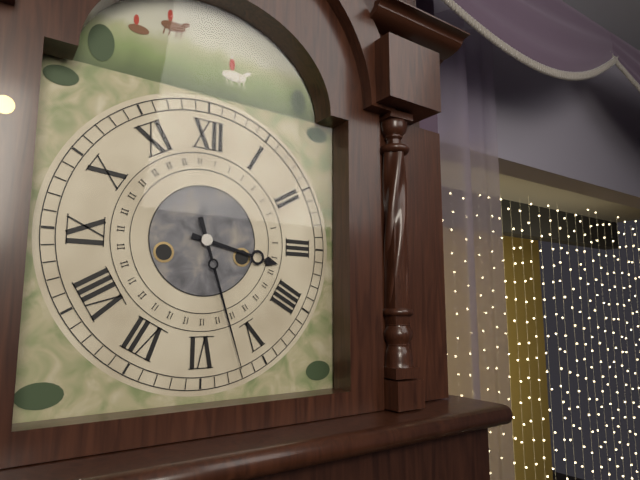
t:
3 h 27 min
